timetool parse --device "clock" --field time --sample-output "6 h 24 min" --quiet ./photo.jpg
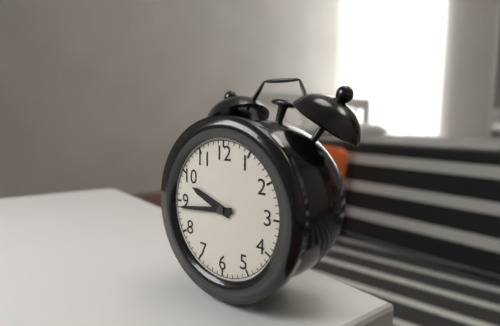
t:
9 h 44 min
